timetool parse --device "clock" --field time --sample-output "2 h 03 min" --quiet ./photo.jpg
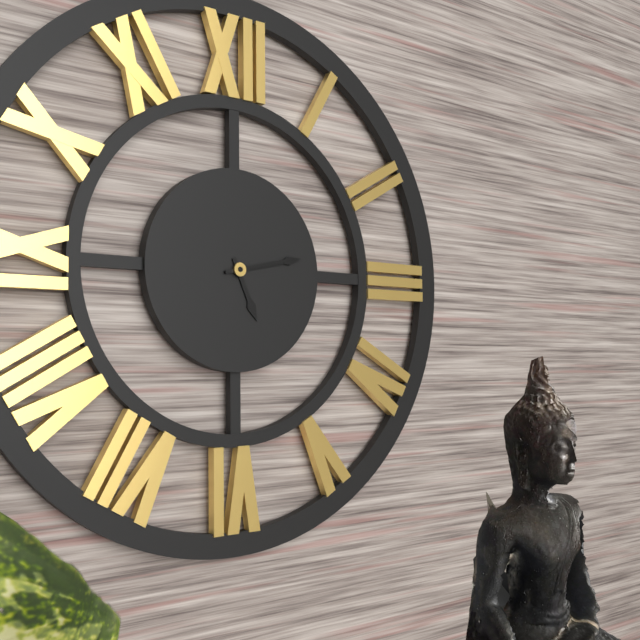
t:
5 h 13 min
